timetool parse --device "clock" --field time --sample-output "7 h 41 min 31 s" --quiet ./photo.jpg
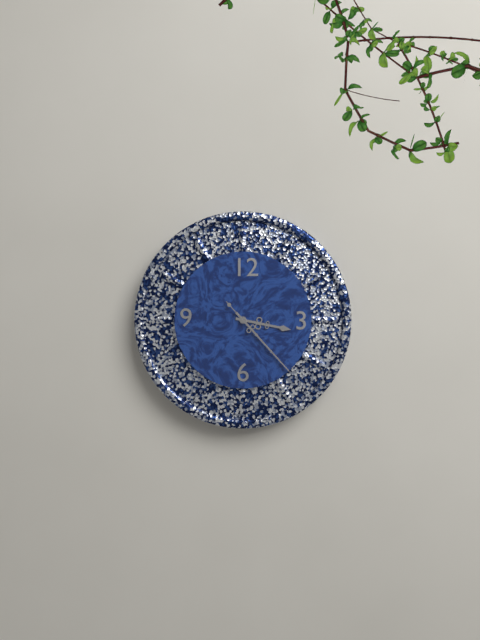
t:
3 h 23 min 23 s
